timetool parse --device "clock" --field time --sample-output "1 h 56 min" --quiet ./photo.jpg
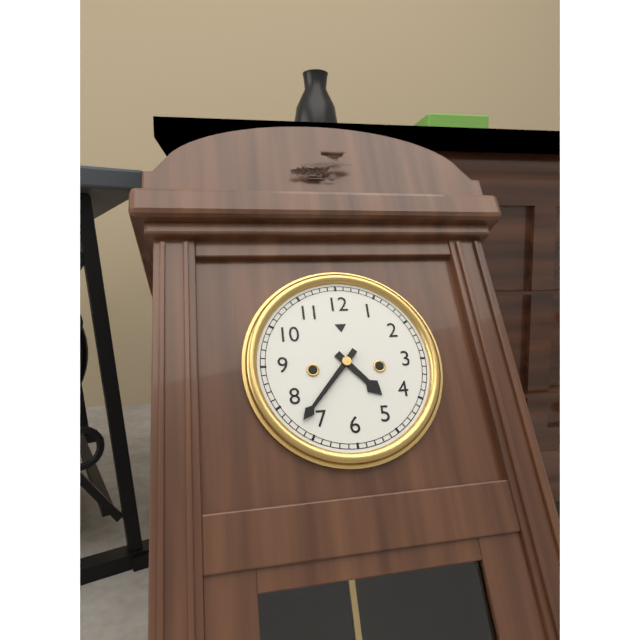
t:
4 h 37 min
